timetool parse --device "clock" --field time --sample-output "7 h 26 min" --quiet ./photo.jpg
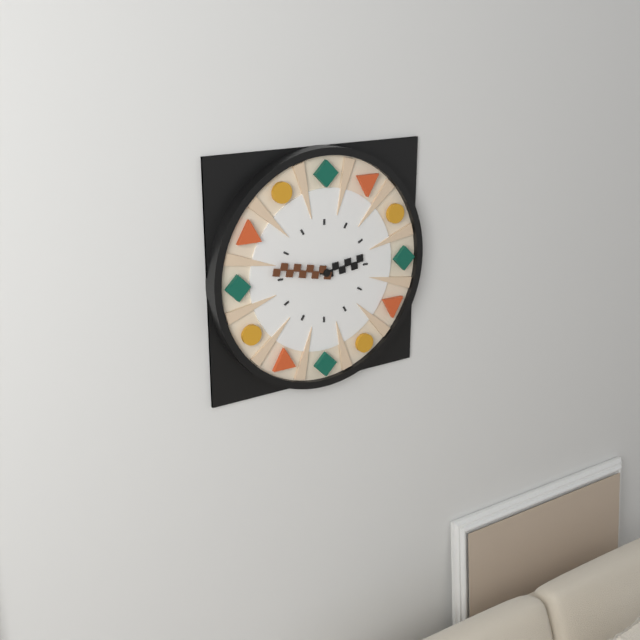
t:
2 h 47 min
